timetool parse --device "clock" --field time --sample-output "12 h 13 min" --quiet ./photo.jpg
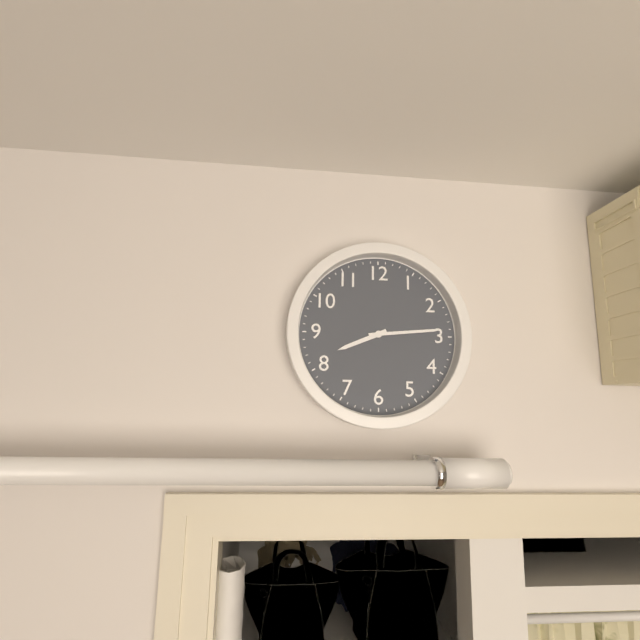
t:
8 h 14 min
